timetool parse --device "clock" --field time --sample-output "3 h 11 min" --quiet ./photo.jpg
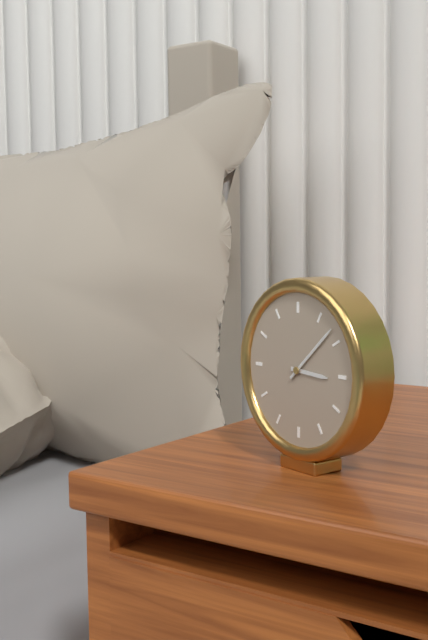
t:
3 h 08 min
